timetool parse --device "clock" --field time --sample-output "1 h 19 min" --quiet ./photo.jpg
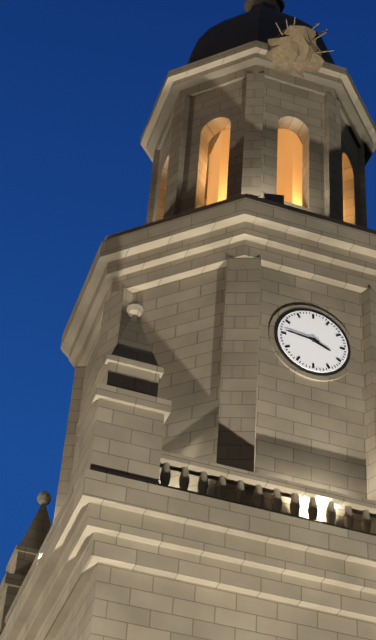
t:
3 h 46 min
